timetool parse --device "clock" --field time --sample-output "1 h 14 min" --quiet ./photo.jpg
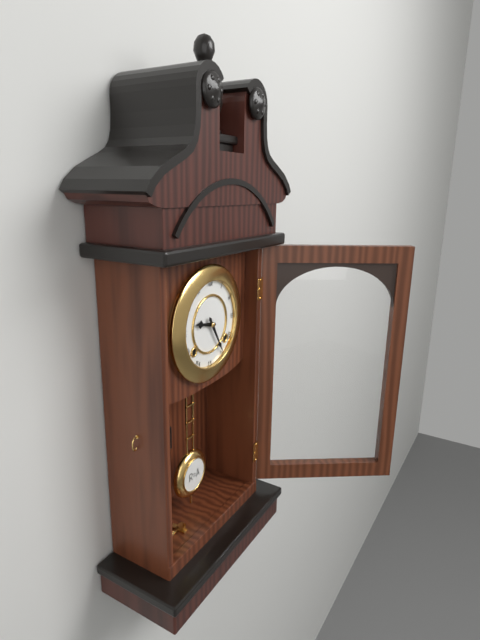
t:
9 h 25 min
